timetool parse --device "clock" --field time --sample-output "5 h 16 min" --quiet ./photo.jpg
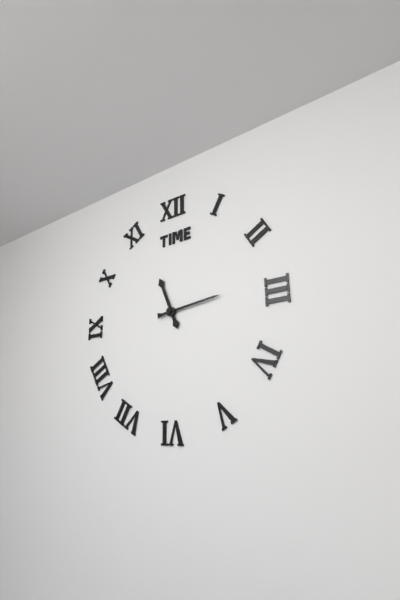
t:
11 h 14 min
